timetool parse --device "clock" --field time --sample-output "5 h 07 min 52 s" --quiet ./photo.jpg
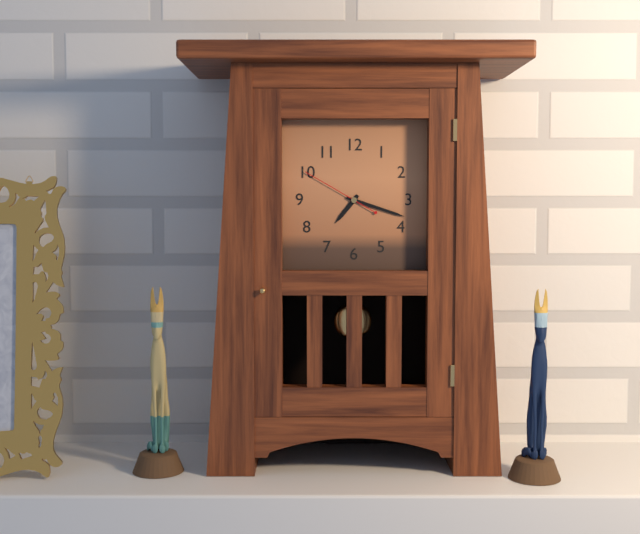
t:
7 h 18 min 50 s
